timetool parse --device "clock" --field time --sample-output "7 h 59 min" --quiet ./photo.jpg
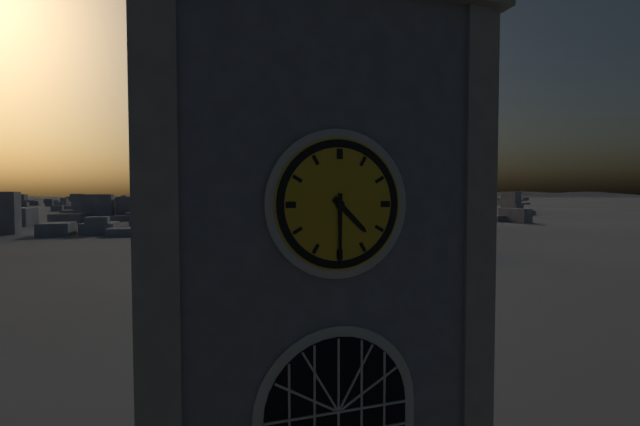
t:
4 h 30 min
